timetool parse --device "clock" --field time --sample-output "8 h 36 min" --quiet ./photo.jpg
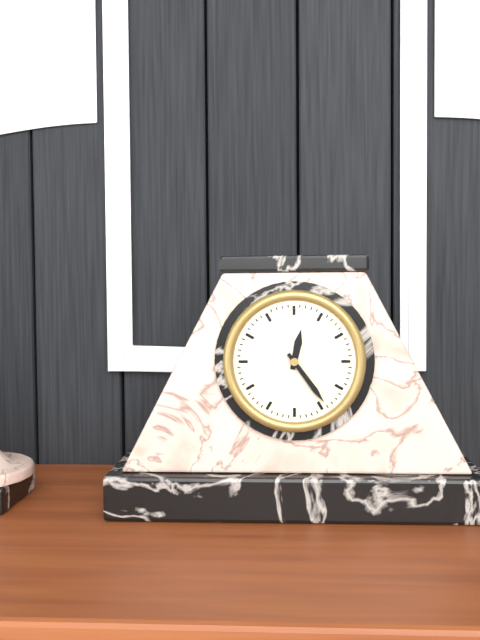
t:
12 h 24 min
